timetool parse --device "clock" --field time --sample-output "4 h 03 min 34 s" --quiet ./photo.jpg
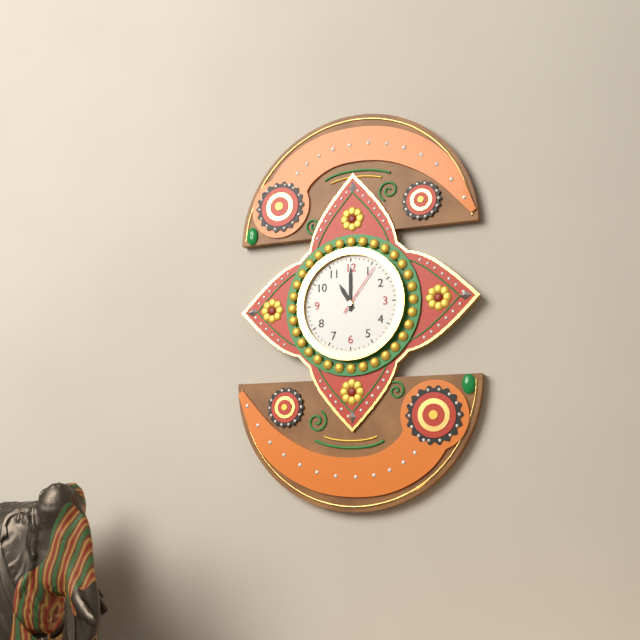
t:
11 h 00 min 06 s
